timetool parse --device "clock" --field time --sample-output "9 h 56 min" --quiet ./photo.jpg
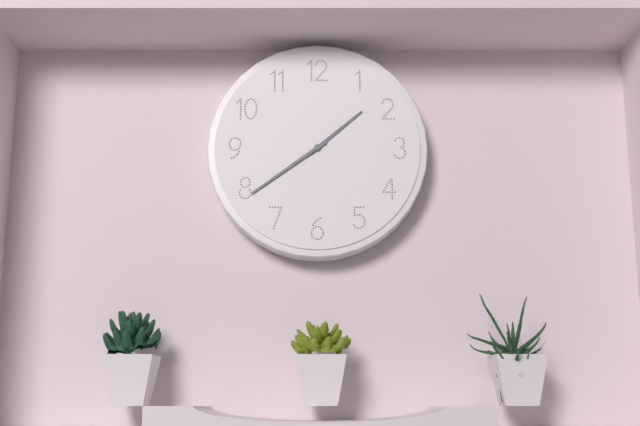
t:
1 h 39 min
